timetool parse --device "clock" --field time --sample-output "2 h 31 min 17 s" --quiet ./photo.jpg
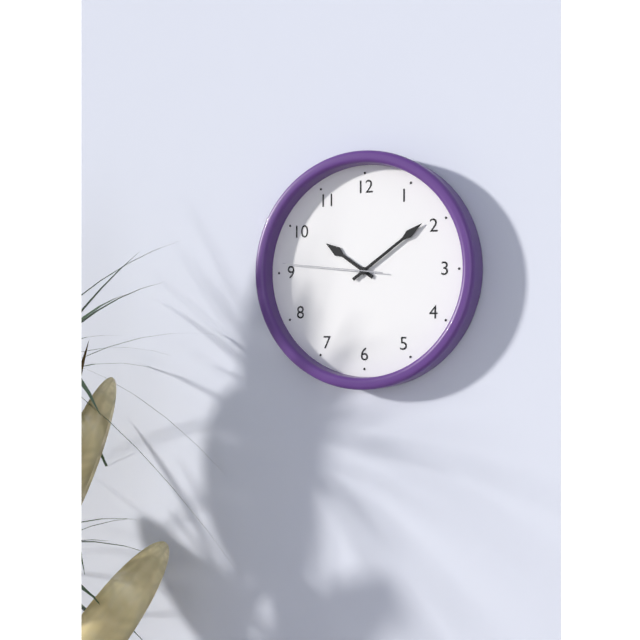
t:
10 h 09 min 46 s
